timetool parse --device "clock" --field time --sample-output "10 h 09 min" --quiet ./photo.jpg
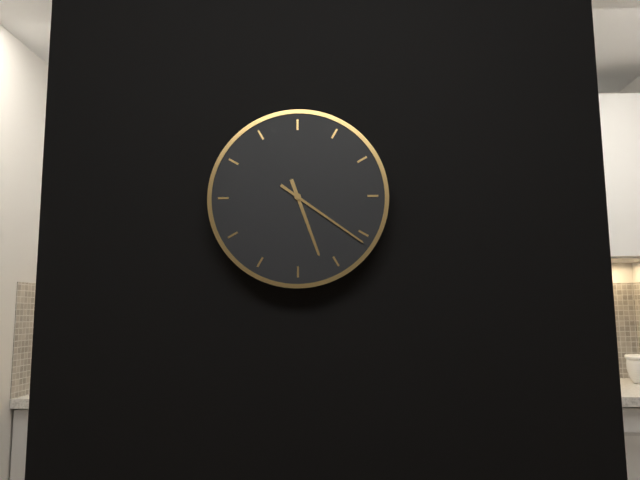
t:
5 h 21 min
